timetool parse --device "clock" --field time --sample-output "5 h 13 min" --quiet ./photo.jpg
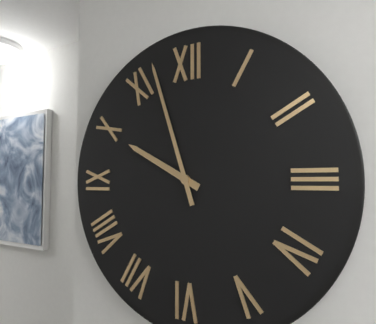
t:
9 h 57 min
